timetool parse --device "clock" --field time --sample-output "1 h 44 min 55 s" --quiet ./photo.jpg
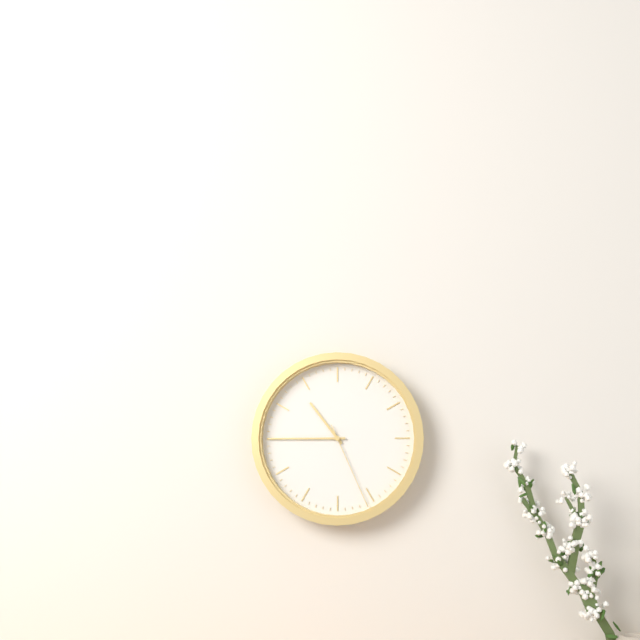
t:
10 h 45 min 26 s
